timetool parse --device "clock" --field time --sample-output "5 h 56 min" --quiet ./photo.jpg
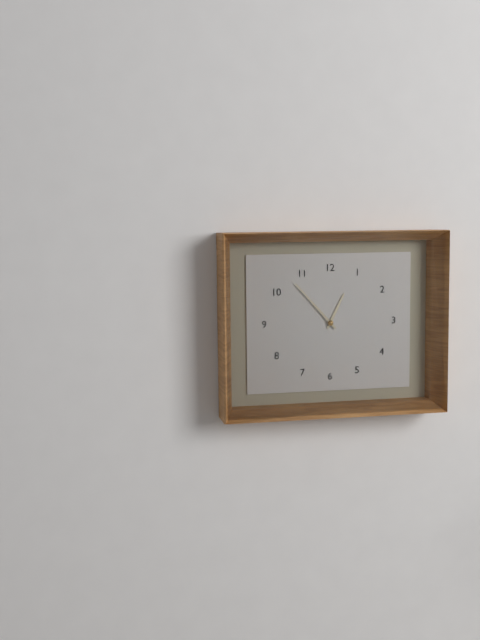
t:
12 h 53 min
